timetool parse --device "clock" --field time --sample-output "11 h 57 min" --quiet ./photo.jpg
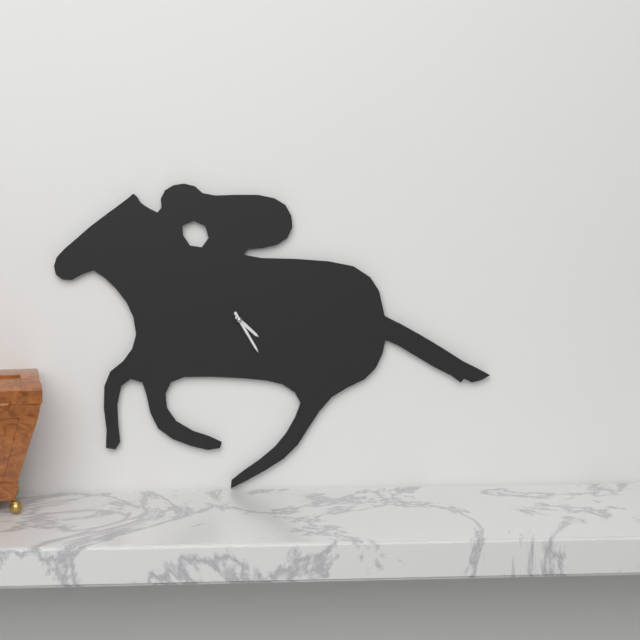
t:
4 h 25 min
